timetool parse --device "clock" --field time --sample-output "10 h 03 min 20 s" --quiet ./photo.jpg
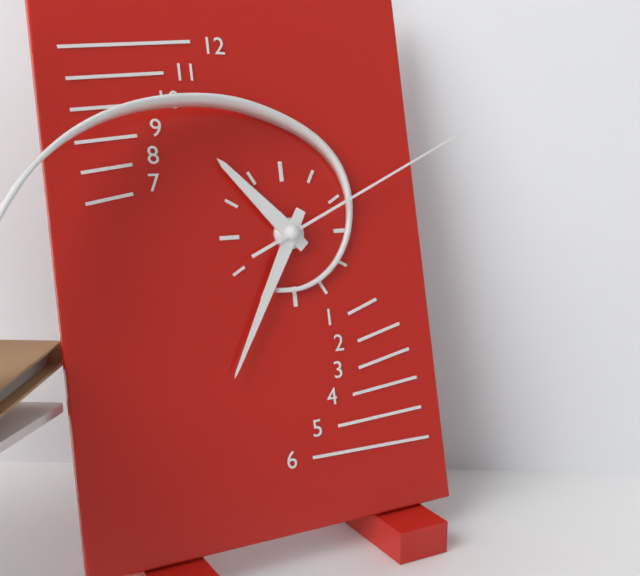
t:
10 h 35 min 11 s
